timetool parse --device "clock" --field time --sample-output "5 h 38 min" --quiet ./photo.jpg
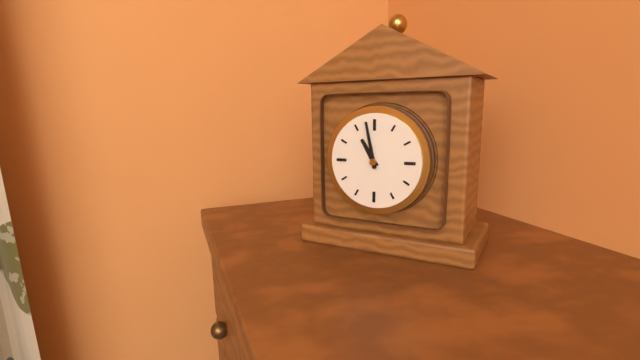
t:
10 h 58 min
